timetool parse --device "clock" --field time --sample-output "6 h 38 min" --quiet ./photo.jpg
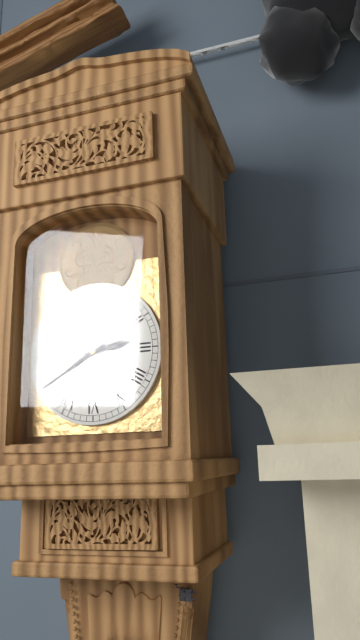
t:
2 h 40 min
